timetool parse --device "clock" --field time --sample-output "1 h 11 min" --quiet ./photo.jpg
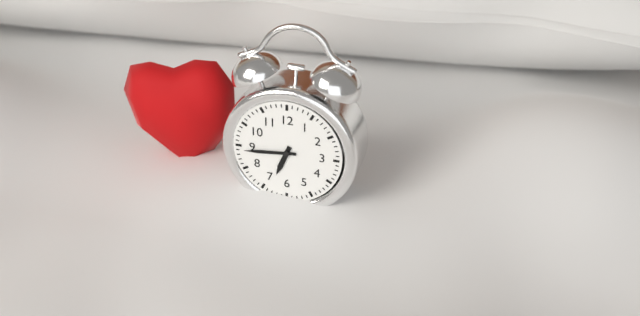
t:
6 h 44 min
